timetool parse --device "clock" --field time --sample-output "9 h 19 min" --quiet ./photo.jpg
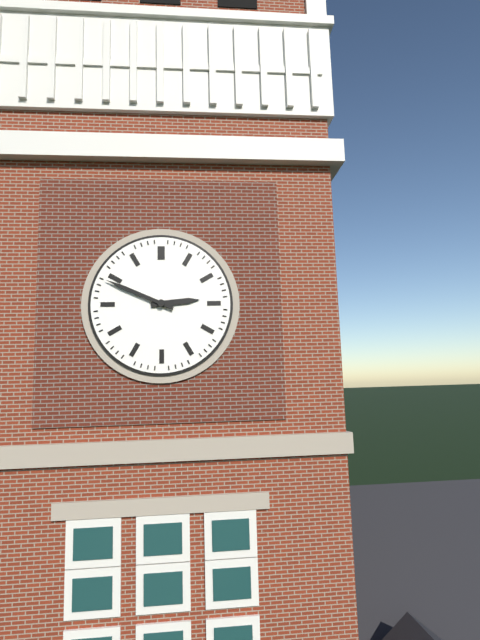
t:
2 h 49 min
